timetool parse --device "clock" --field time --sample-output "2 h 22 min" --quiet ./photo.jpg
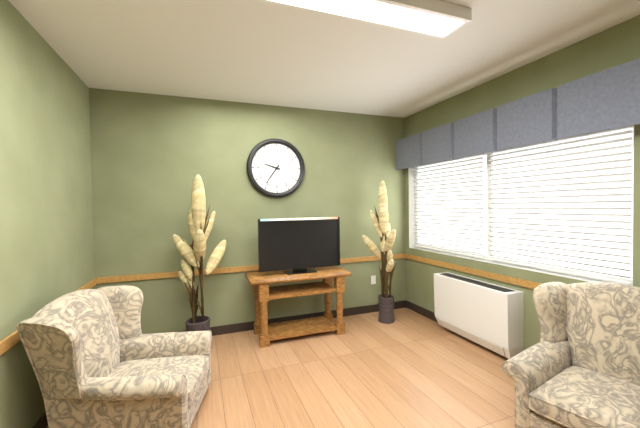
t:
9 h 36 min
